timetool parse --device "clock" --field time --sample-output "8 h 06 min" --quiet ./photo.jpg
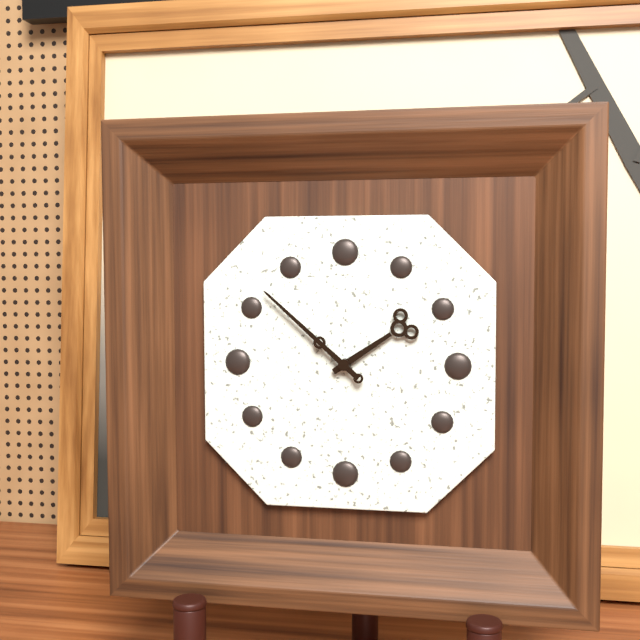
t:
1 h 52 min
